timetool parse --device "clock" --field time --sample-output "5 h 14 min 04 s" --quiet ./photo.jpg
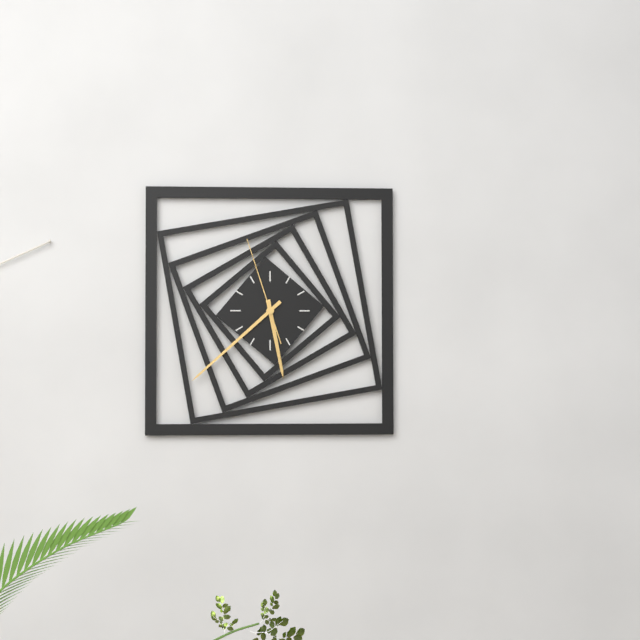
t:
5 h 38 min 57 s
